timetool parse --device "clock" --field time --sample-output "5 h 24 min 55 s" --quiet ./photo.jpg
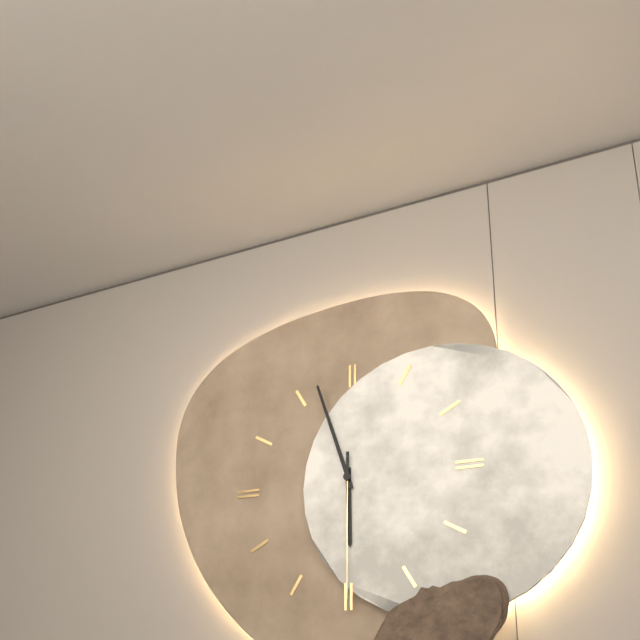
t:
5 h 57 min 30 s
